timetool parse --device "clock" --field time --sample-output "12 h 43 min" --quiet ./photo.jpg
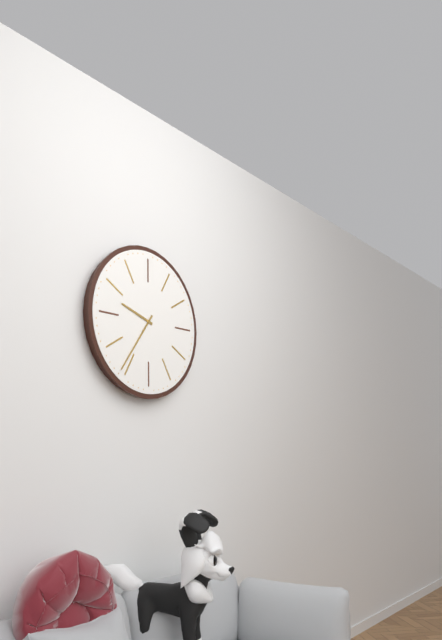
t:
9 h 36 min
